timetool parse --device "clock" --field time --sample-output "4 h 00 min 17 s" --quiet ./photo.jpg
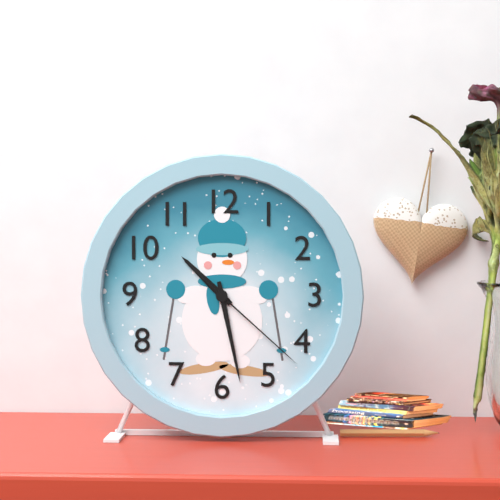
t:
10 h 28 min 22 s
